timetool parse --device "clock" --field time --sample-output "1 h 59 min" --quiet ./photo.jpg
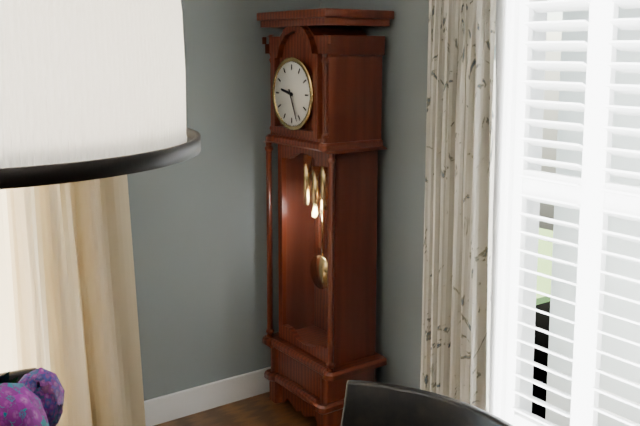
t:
9 h 26 min
